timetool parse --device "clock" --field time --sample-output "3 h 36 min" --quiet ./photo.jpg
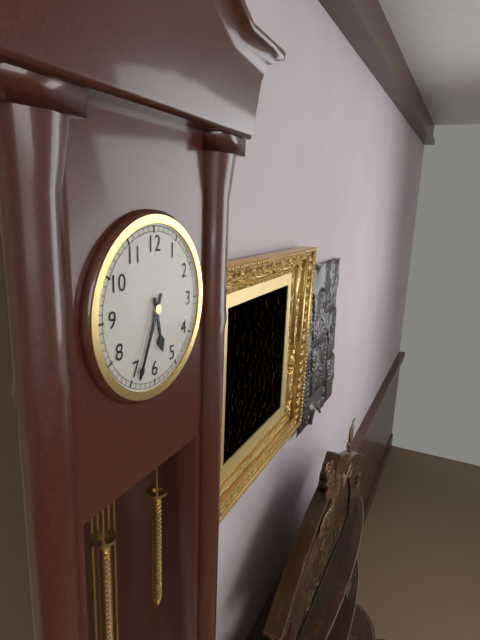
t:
5 h 34 min
